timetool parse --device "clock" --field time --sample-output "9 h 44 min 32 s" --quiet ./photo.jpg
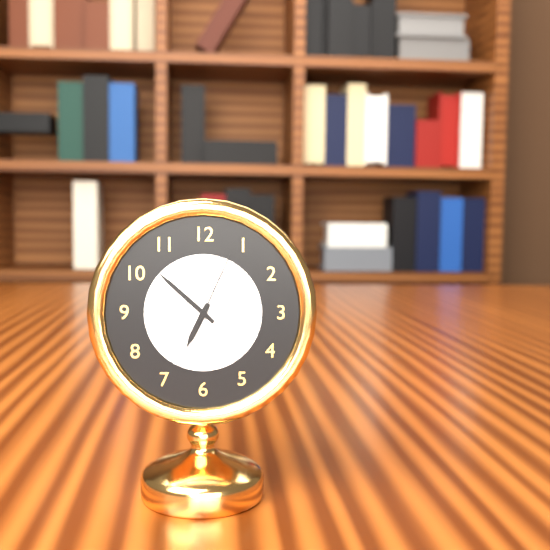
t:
6 h 52 min 04 s
